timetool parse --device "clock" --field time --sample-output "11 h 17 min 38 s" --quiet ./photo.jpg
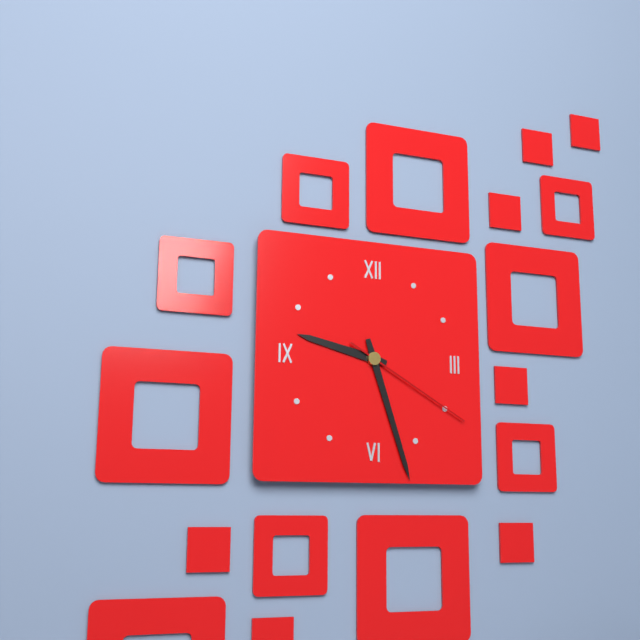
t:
9 h 27 min 20 s
